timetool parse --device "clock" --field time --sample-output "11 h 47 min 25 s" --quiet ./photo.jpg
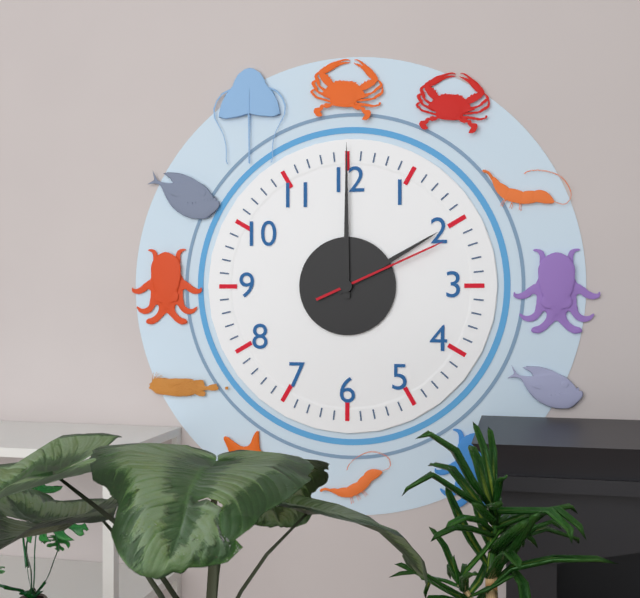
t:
2 h 00 min 11 s
